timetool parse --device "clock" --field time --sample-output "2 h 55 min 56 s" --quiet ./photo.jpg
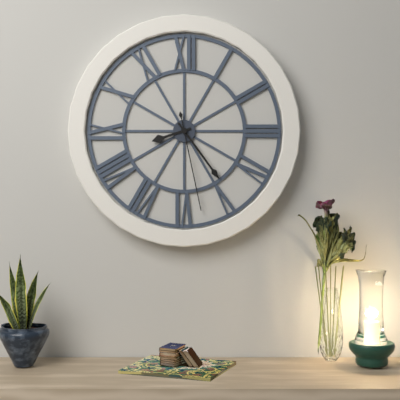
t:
8 h 24 min 28 s
